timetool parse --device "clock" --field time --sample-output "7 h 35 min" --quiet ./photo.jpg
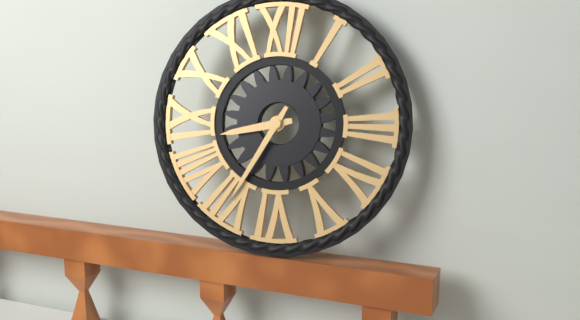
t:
8 h 35 min
